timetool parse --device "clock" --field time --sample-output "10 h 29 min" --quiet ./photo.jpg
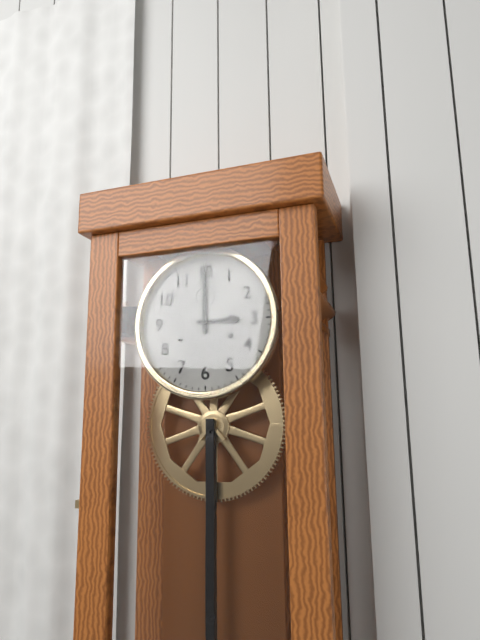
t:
3 h 00 min
